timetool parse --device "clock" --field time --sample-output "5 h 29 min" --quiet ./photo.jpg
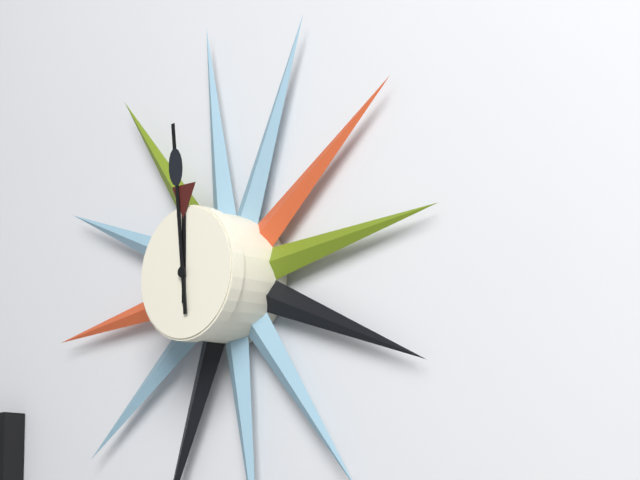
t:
11 h 59 min
